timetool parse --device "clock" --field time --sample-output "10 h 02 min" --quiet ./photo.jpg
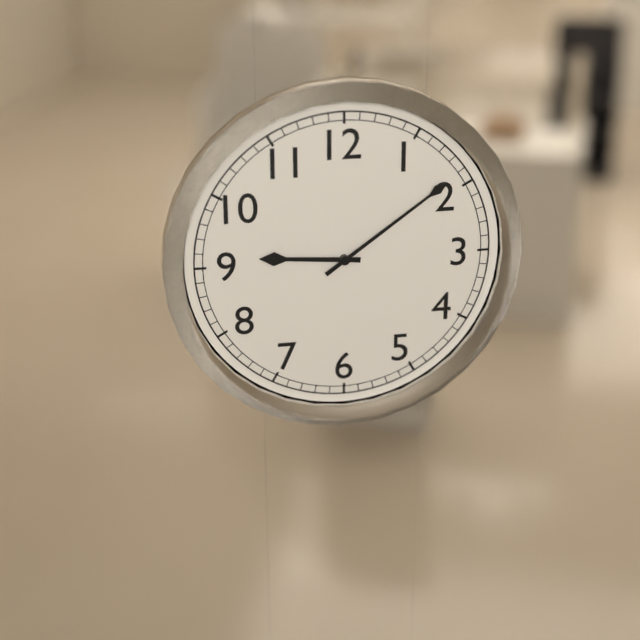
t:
9 h 09 min
